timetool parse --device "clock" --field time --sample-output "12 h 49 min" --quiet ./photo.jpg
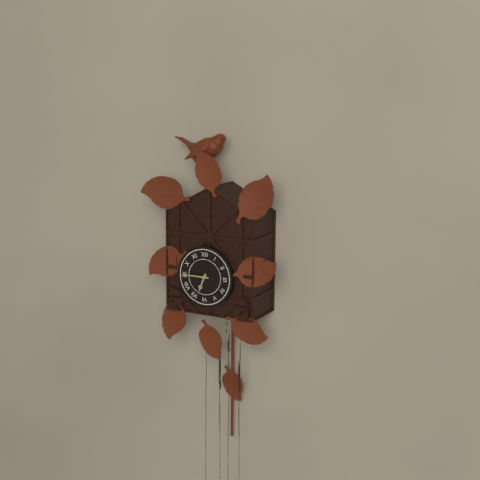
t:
6 h 45 min
